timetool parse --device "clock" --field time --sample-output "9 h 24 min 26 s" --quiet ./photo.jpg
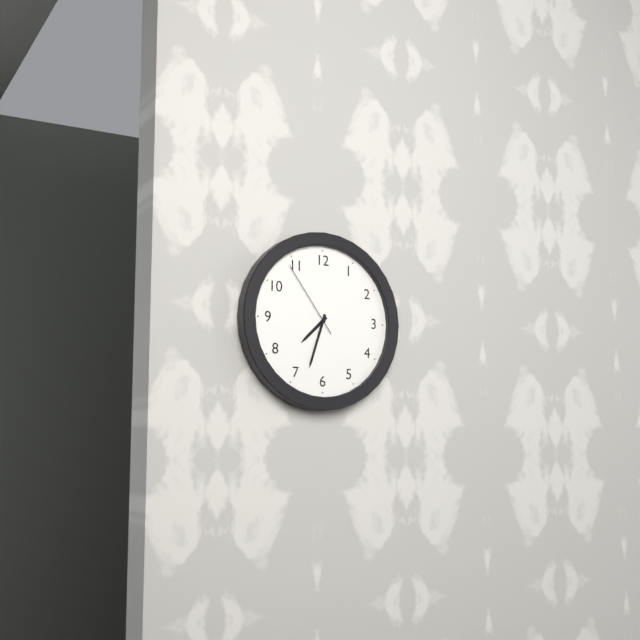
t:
7 h 33 min 54 s
